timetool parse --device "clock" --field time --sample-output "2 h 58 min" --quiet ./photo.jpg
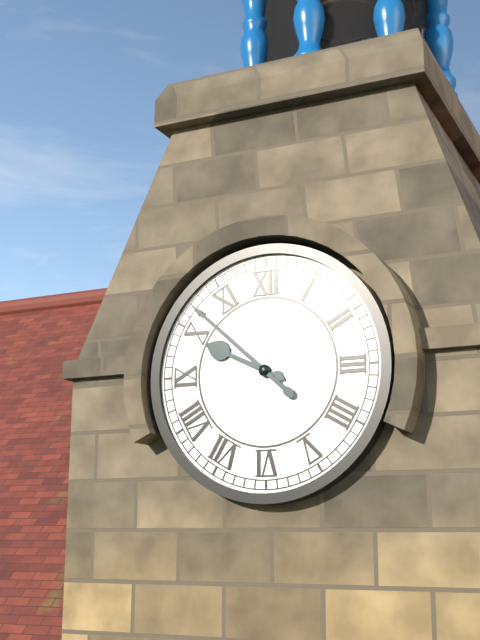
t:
9 h 52 min
